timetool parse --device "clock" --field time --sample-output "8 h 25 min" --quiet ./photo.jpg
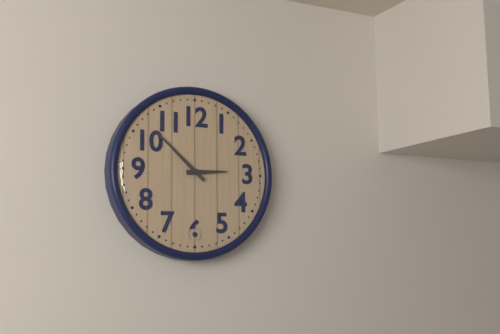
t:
2 h 52 min
